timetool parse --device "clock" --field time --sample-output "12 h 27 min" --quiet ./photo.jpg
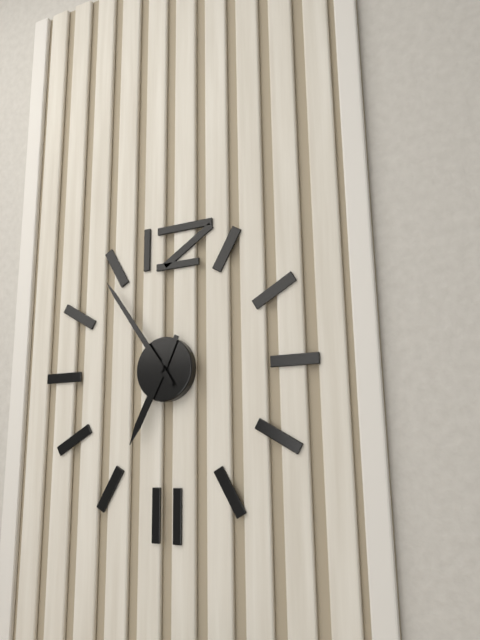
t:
6 h 54 min
